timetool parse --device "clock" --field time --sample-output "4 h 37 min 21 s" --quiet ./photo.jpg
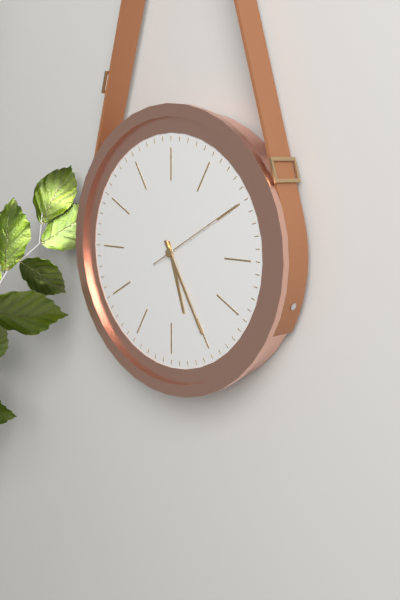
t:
5 h 25 min 10 s
